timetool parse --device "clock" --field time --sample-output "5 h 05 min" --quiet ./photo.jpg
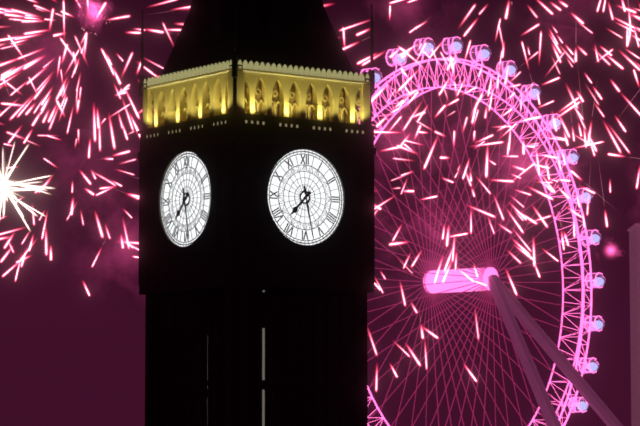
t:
7 h 28 min
